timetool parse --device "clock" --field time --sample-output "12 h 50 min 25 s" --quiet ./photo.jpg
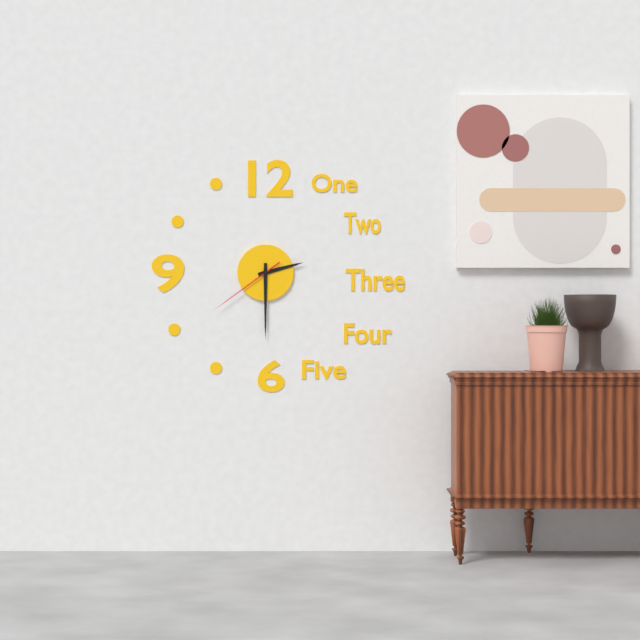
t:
2 h 30 min 39 s
